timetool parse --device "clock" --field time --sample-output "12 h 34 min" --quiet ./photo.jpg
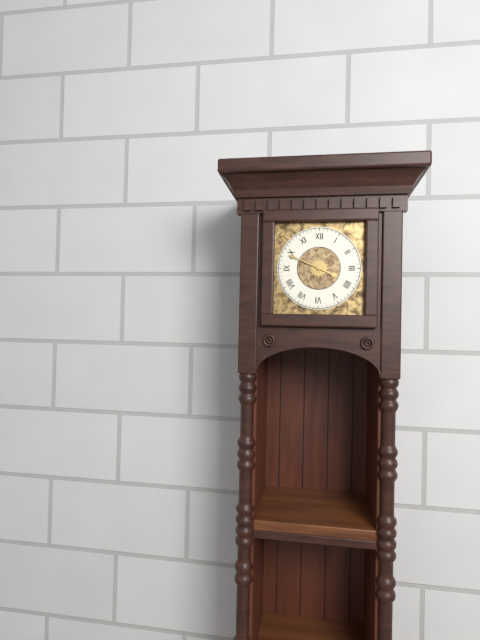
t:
3 h 49 min
